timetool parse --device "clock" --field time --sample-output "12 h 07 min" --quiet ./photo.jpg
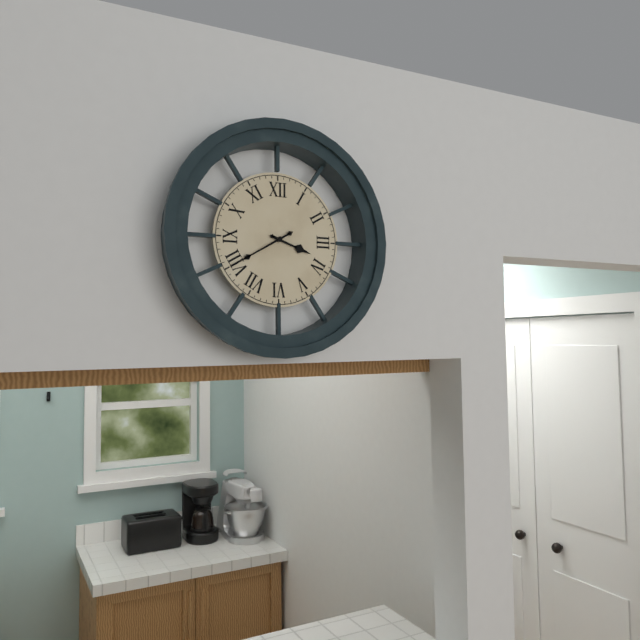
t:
3 h 40 min
